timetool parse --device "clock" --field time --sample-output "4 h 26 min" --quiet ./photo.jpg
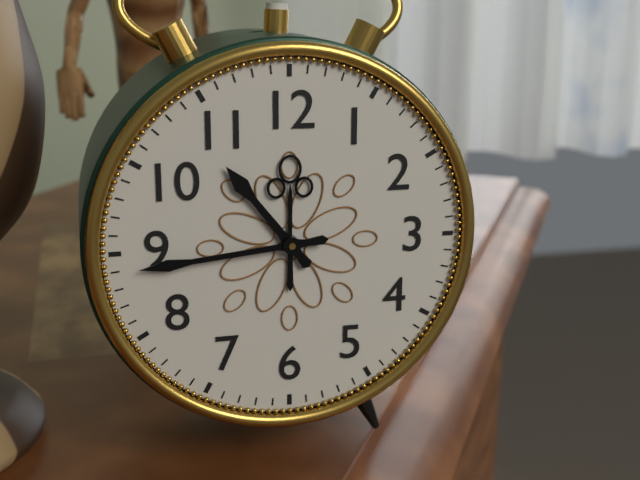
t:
10 h 44 min
